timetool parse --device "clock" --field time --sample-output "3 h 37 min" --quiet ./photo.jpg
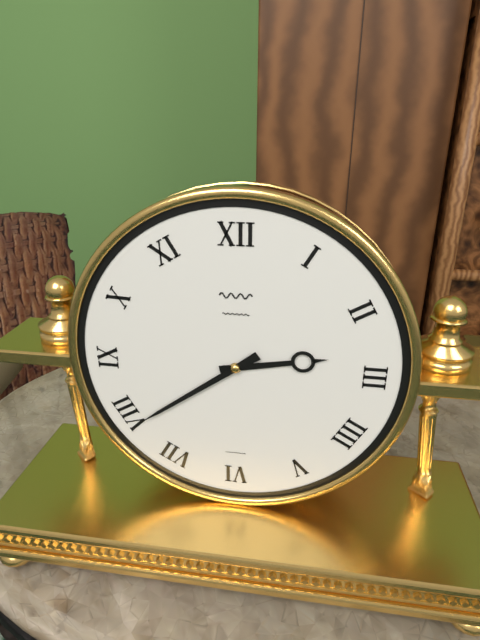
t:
2 h 39 min
